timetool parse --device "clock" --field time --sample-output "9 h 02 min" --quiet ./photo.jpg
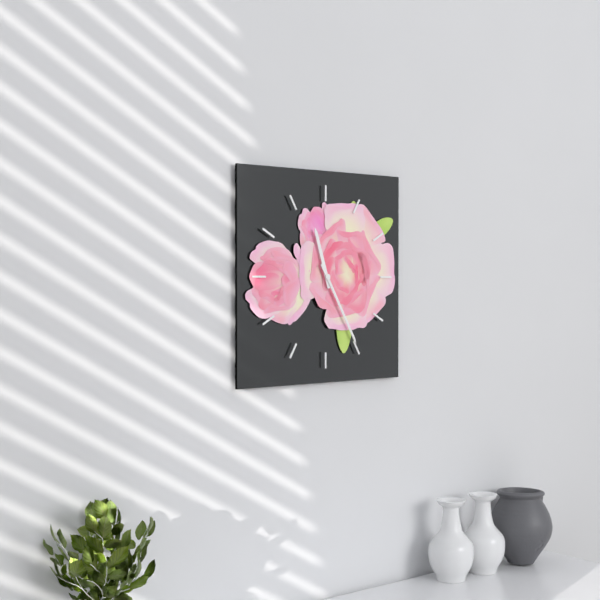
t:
11 h 25 min
